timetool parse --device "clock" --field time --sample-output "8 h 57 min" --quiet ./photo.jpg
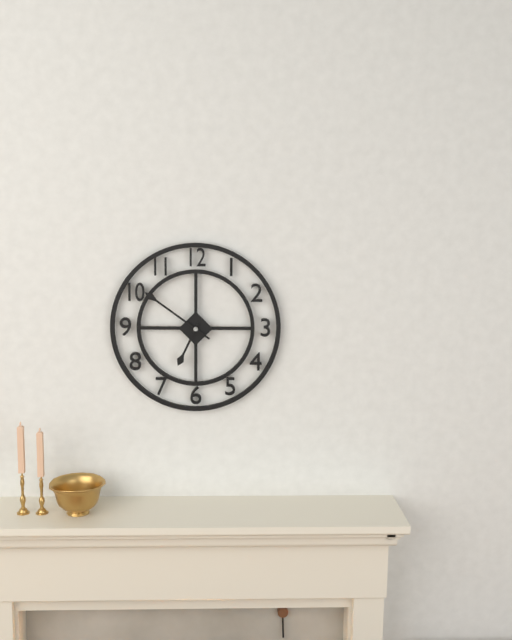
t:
6 h 51 min
